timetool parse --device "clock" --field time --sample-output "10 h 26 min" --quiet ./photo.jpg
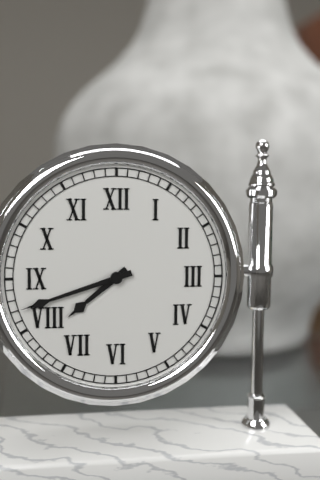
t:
7 h 42 min
